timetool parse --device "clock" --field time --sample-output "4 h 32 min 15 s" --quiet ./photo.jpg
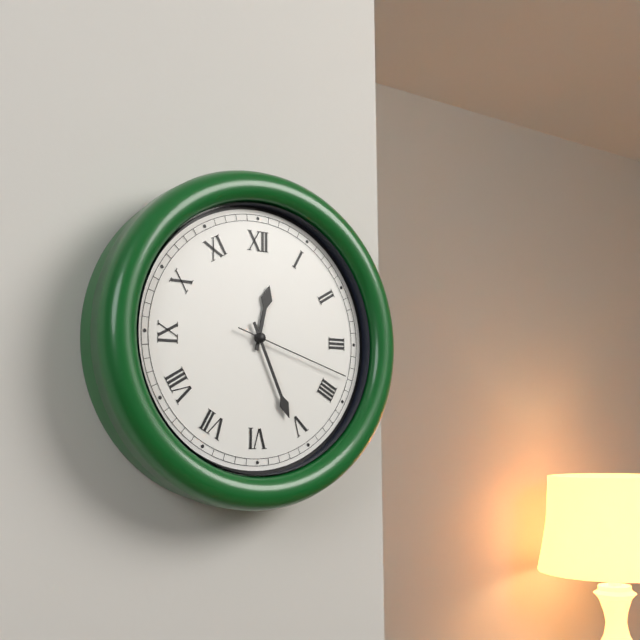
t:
12 h 26 min 18 s
